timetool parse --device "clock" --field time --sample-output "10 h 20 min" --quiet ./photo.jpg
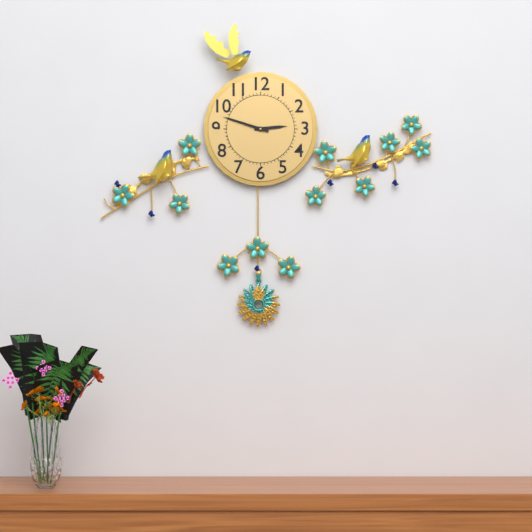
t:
2 h 48 min
